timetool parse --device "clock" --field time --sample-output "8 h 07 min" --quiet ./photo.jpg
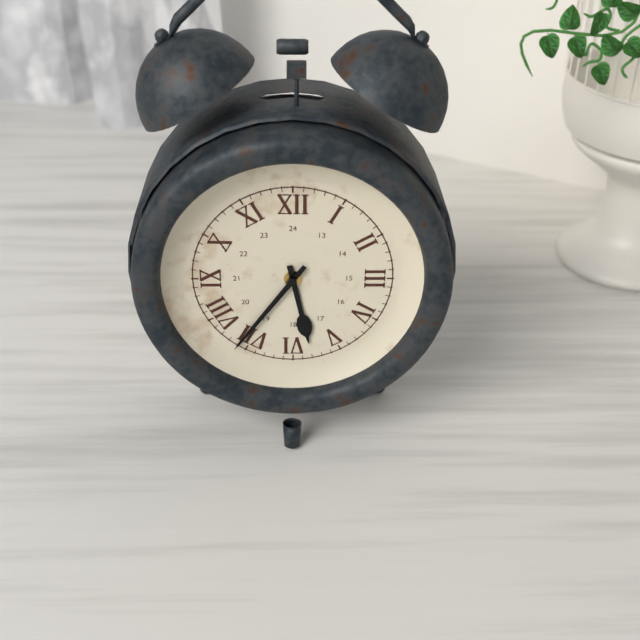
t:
5 h 36 min
